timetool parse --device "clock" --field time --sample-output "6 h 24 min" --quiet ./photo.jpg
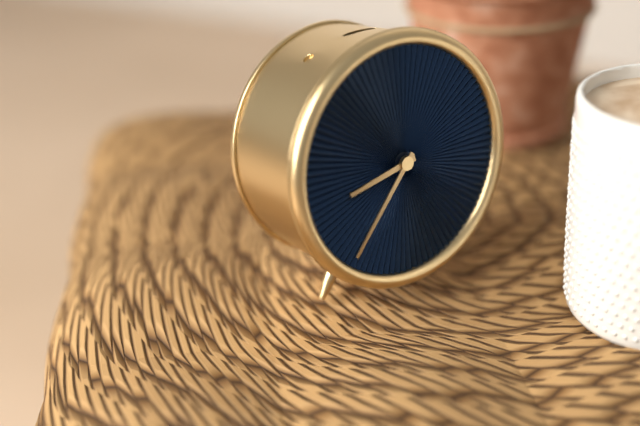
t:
8 h 37 min
